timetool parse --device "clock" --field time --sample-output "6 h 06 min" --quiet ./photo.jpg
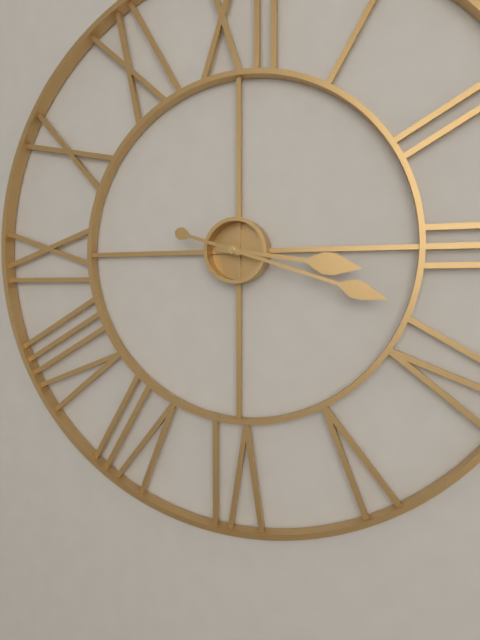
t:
3 h 18 min
